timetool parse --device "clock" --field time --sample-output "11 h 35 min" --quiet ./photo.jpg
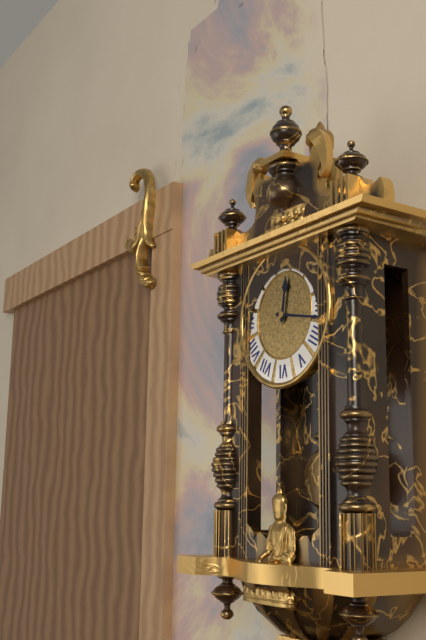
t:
12 h 17 min
